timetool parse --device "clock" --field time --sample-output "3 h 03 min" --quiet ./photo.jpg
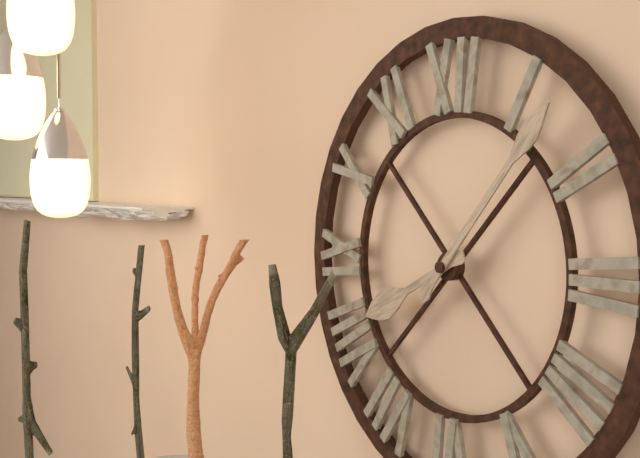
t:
8 h 07 min
